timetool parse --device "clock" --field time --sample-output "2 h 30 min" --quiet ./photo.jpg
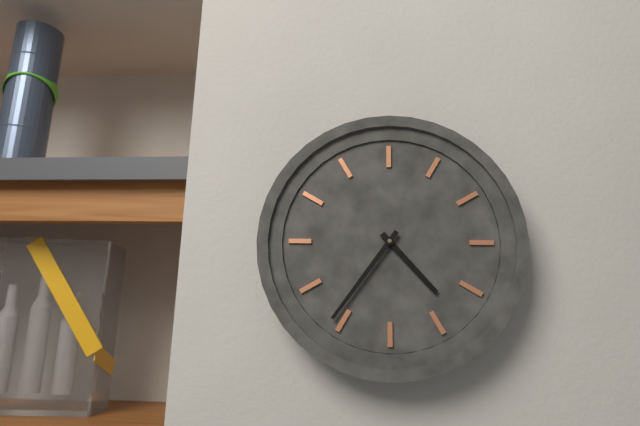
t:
4 h 36 min
